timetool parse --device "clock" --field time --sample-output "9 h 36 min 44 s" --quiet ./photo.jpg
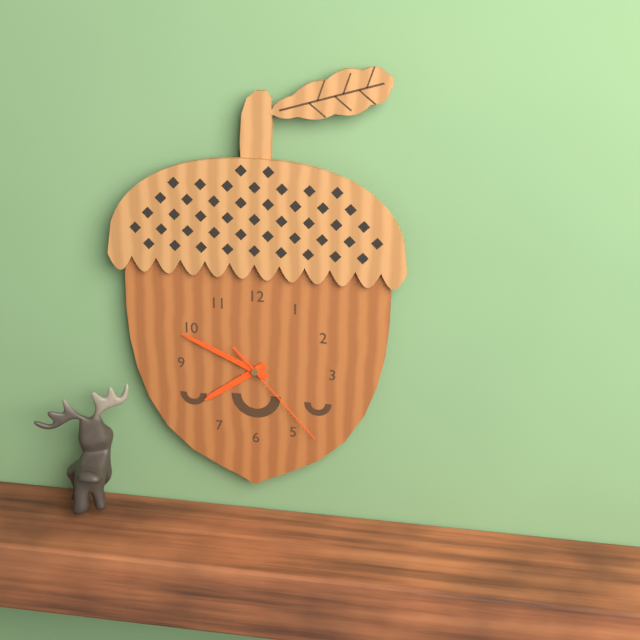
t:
7 h 49 min 23 s
